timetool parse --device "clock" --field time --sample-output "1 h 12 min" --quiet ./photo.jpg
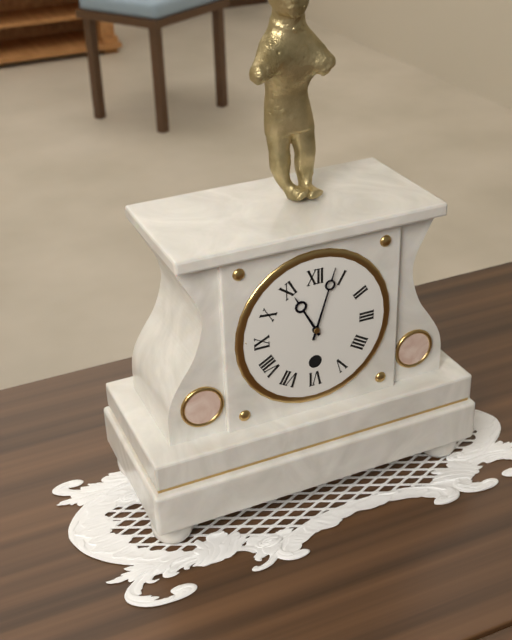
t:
11 h 03 min
